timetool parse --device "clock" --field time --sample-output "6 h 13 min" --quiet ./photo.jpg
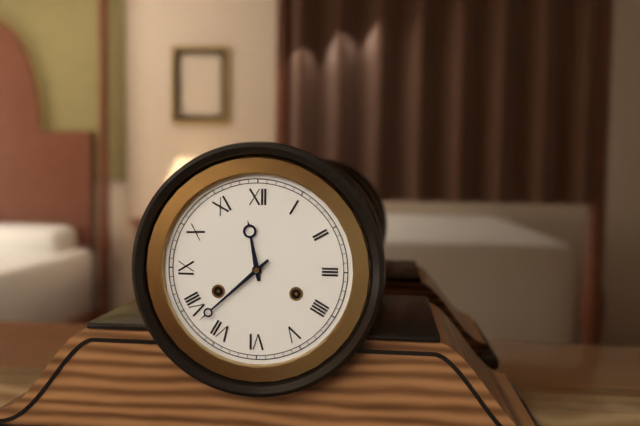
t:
11 h 38 min
